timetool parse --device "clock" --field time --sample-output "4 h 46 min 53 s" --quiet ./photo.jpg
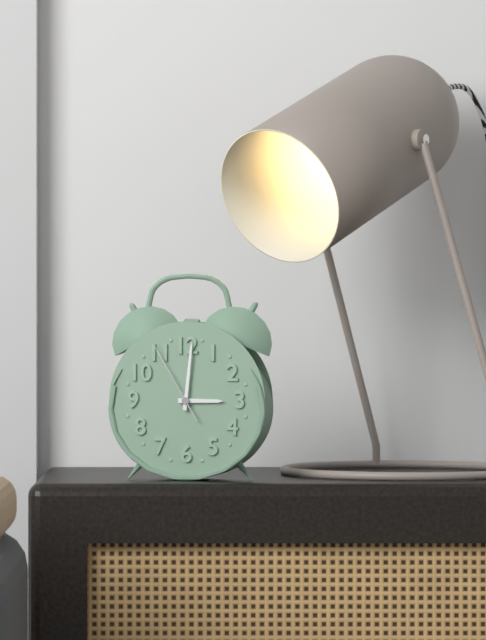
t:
3 h 01 min 55 s
